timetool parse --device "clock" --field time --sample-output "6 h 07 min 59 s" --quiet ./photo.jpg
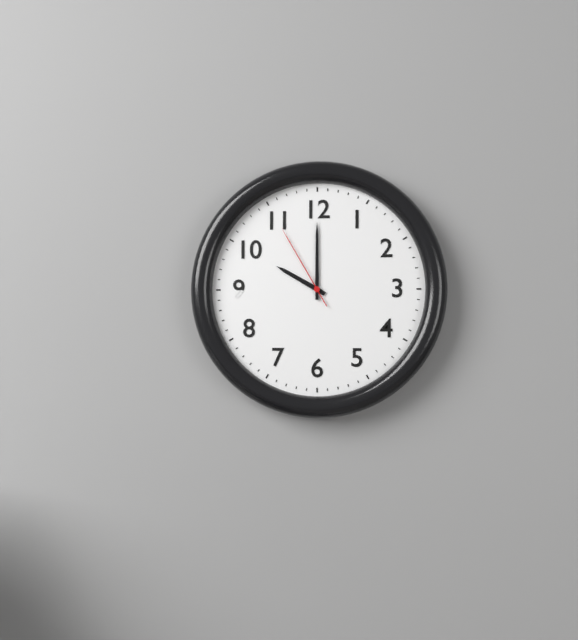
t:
10 h 00 min 55 s
